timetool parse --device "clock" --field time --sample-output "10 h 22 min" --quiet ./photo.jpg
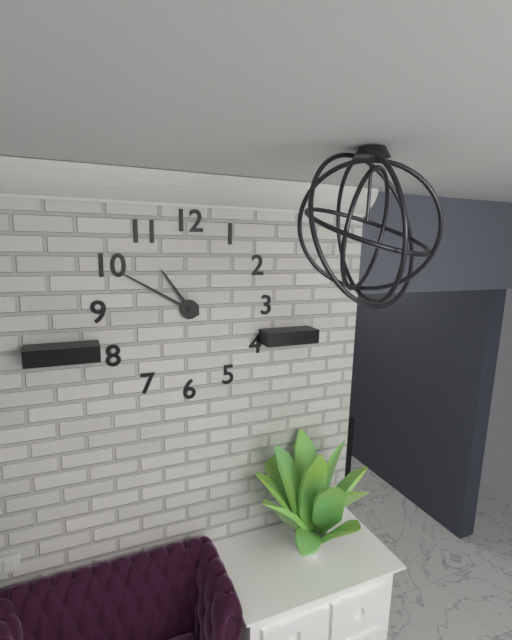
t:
10 h 50 min
